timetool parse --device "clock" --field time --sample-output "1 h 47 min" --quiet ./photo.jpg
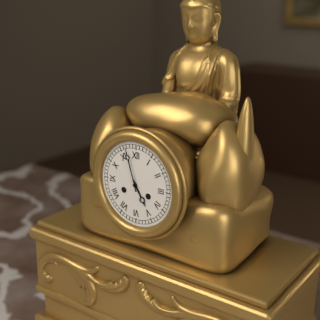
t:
4 h 57 min
